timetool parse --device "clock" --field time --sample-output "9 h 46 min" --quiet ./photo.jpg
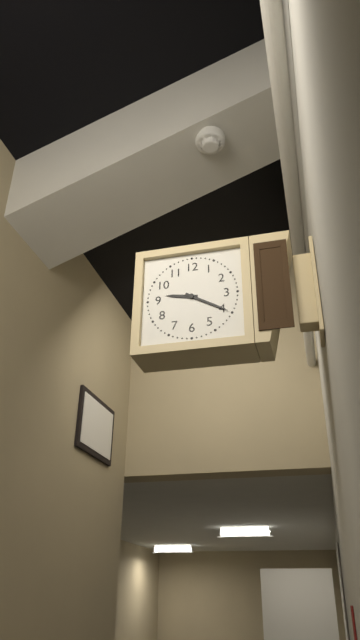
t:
9 h 20 min
